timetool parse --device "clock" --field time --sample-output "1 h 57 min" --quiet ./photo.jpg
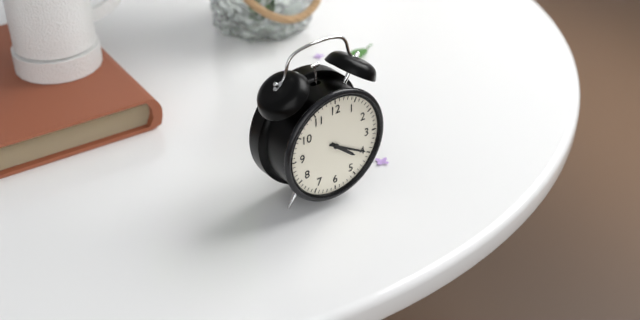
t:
4 h 20 min
